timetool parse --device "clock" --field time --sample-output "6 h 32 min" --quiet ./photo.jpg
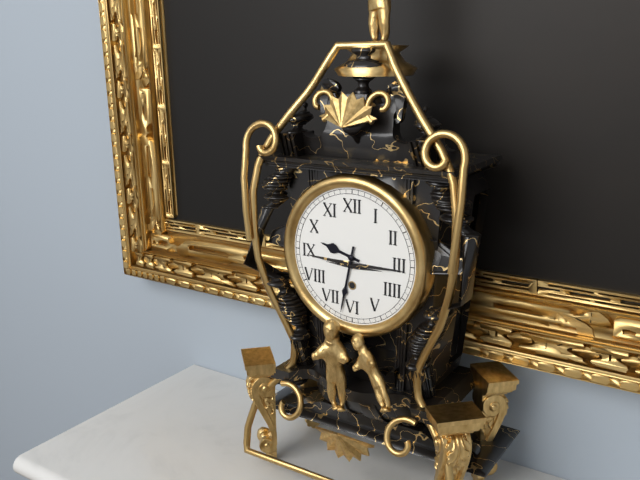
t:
9 h 32 min
